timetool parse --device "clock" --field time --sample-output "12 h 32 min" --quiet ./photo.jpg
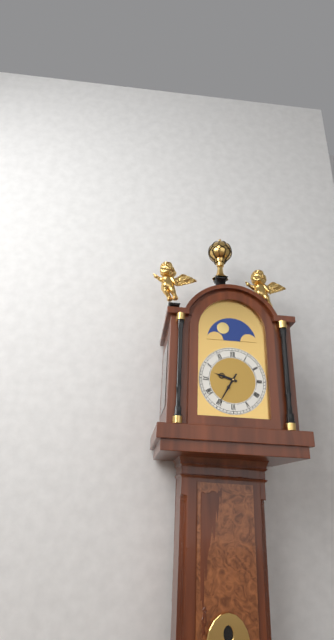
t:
9 h 35 min
